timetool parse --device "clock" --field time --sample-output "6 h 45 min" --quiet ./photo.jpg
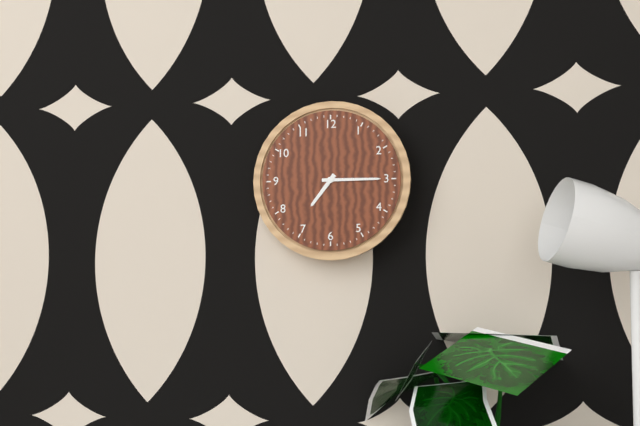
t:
7 h 15 min
